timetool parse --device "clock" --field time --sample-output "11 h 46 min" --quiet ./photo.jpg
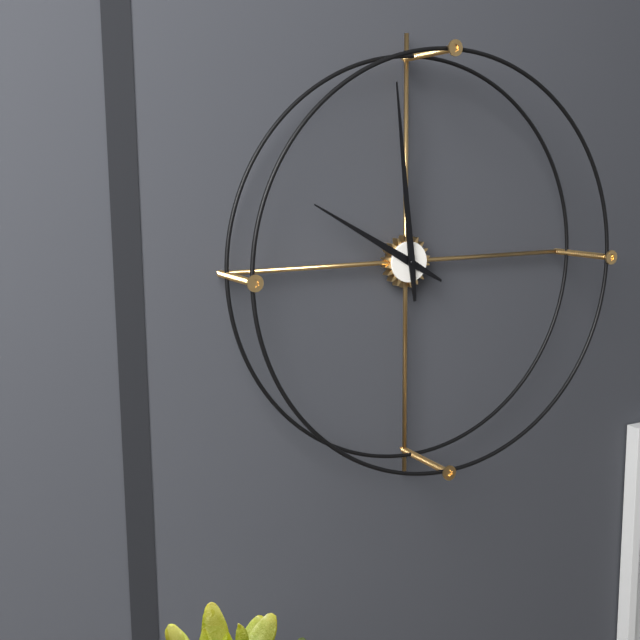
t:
9 h 59 min
